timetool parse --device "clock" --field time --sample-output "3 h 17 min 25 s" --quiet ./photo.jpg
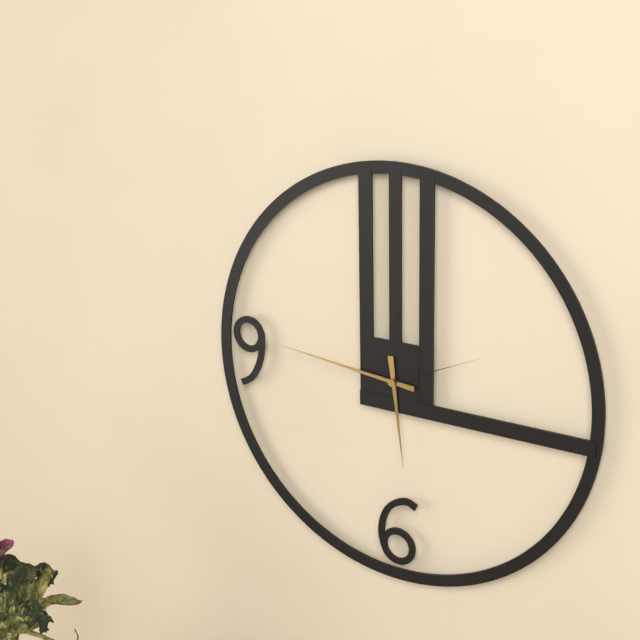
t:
5 h 46 min 11 s
